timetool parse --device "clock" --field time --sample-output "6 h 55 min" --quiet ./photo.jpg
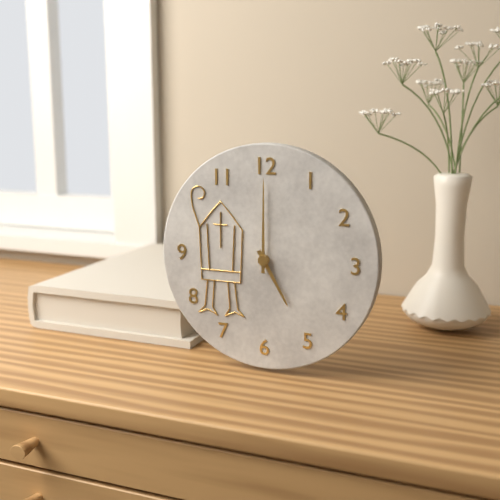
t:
5 h 00 min
